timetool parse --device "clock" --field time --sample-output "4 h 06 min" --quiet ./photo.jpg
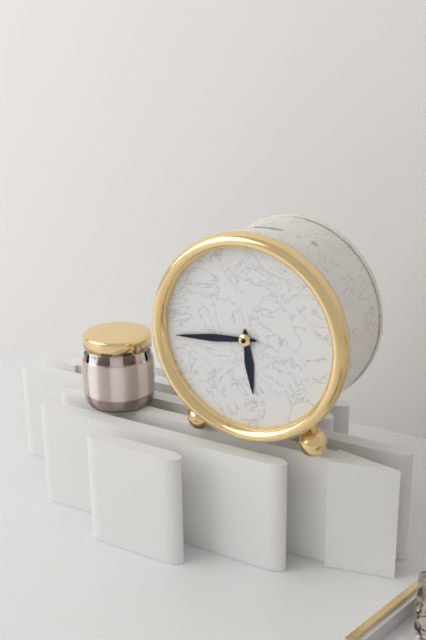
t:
5 h 44 min
